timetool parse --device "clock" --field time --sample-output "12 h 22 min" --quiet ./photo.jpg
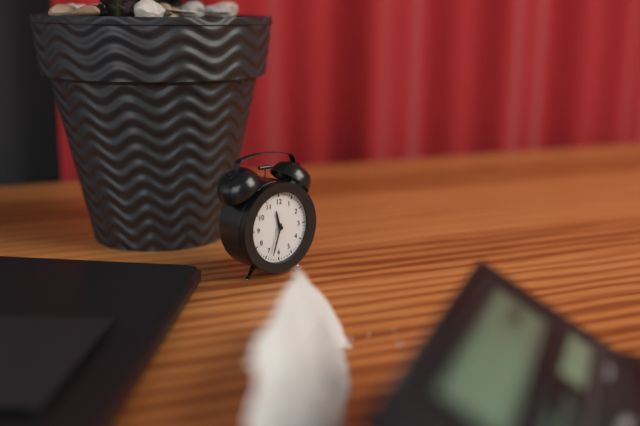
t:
11 h 33 min
